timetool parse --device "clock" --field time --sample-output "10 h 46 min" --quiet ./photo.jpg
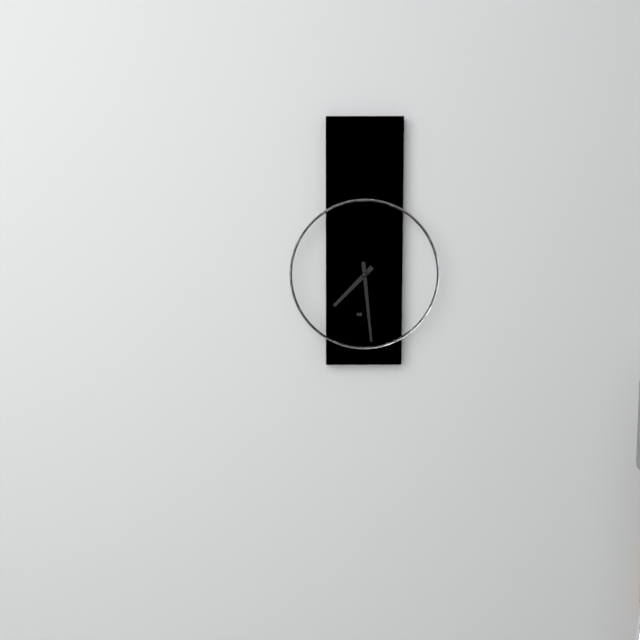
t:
7 h 29 min
